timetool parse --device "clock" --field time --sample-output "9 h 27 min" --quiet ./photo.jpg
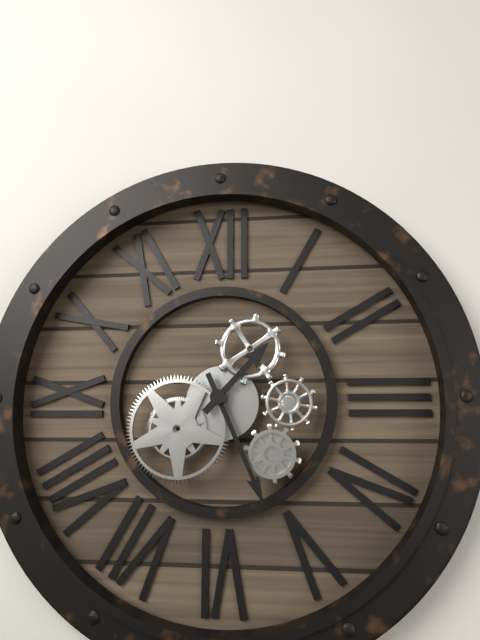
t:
1 h 26 min
